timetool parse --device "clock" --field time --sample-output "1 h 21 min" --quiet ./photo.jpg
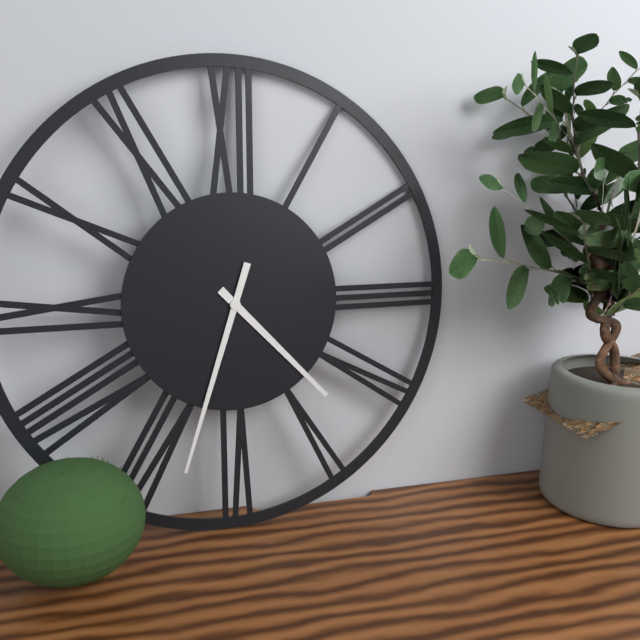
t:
4 h 33 min
